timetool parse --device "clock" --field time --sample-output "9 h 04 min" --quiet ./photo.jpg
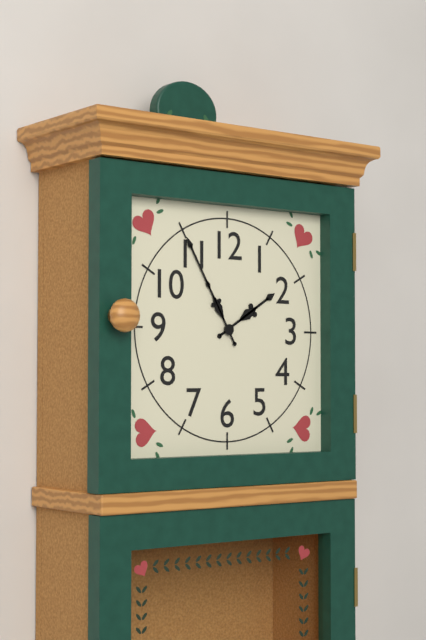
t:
1 h 55 min
